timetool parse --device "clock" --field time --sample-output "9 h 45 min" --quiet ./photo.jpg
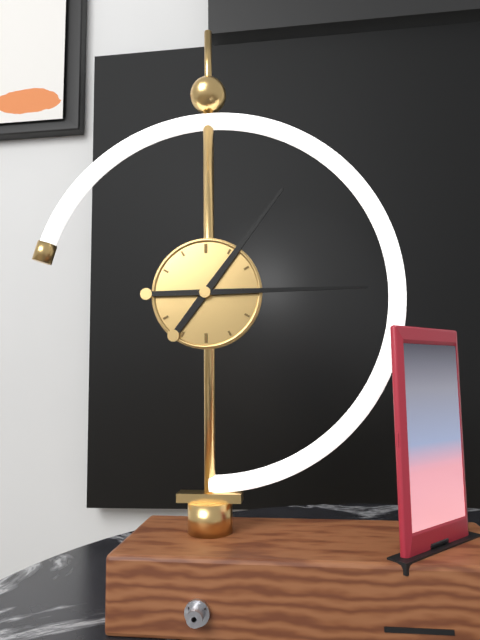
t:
1 h 15 min
